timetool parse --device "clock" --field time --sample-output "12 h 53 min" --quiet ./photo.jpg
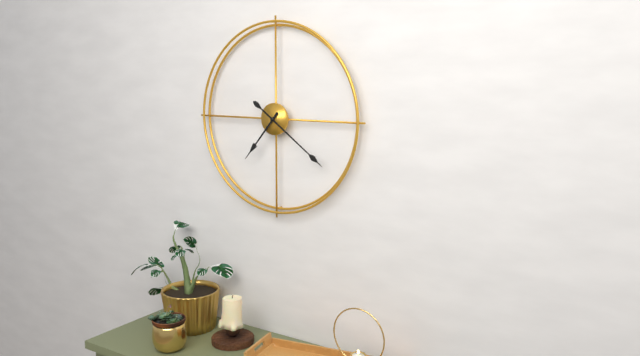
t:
7 h 21 min
